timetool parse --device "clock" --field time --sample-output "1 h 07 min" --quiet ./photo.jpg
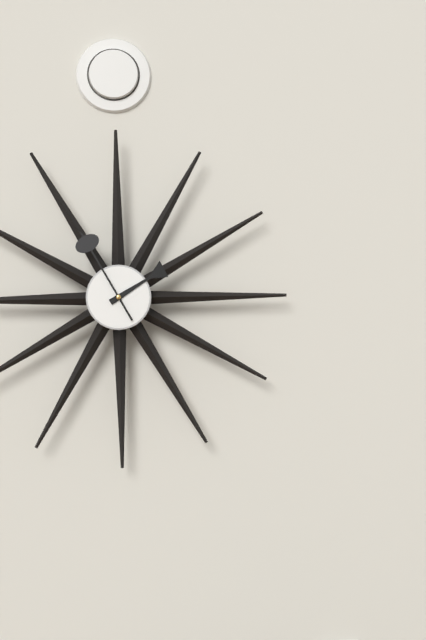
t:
1 h 55 min
